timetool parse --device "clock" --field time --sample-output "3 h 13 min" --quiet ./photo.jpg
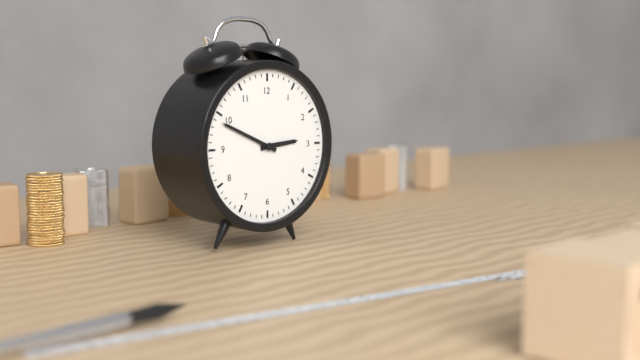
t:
2 h 49 min
